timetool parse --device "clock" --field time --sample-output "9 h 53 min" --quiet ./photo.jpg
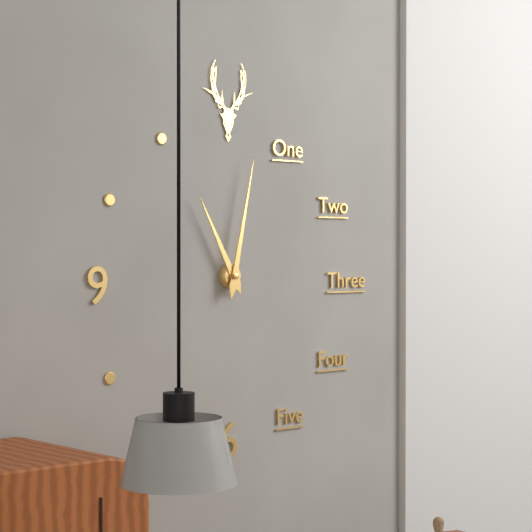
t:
11 h 02 min
